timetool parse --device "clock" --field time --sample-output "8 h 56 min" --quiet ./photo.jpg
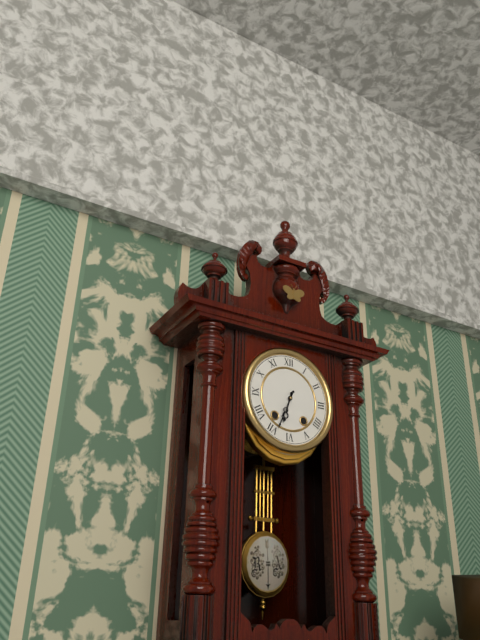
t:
6 h 34 min
